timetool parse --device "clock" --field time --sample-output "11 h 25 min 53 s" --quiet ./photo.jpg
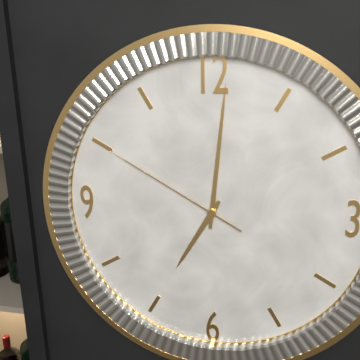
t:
7 h 01 min 50 s
